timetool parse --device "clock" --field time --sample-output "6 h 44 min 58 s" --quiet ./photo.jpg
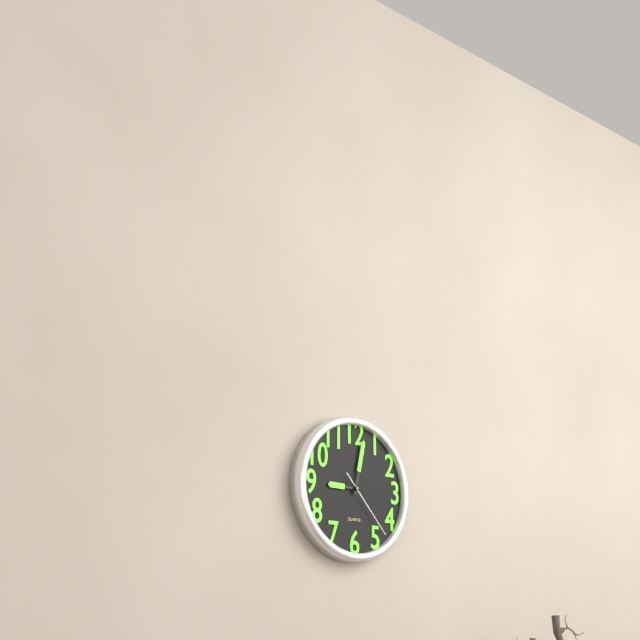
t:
9 h 02 min 23 s
